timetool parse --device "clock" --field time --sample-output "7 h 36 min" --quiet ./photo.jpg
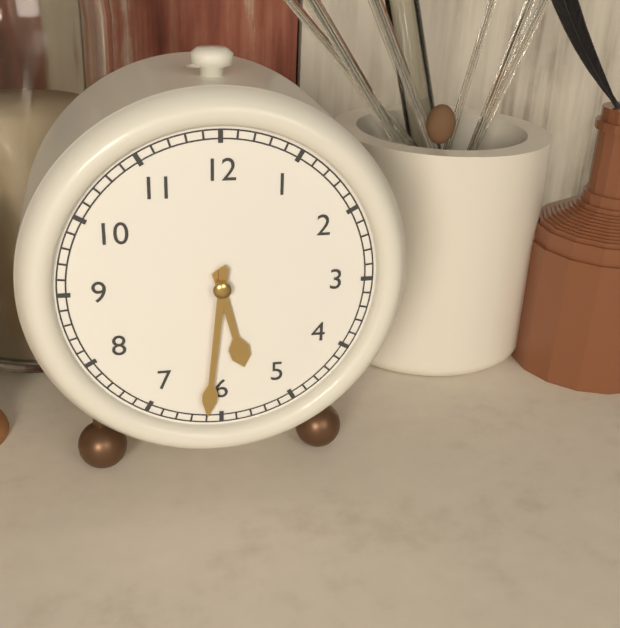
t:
5 h 31 min
